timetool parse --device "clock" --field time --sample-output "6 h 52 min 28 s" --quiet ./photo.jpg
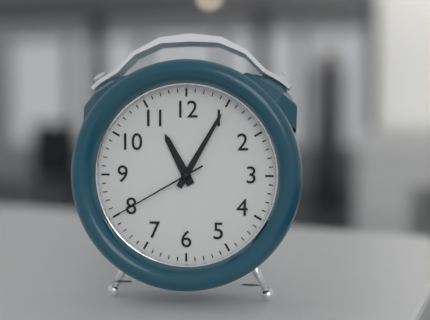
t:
11 h 05 min 40 s
